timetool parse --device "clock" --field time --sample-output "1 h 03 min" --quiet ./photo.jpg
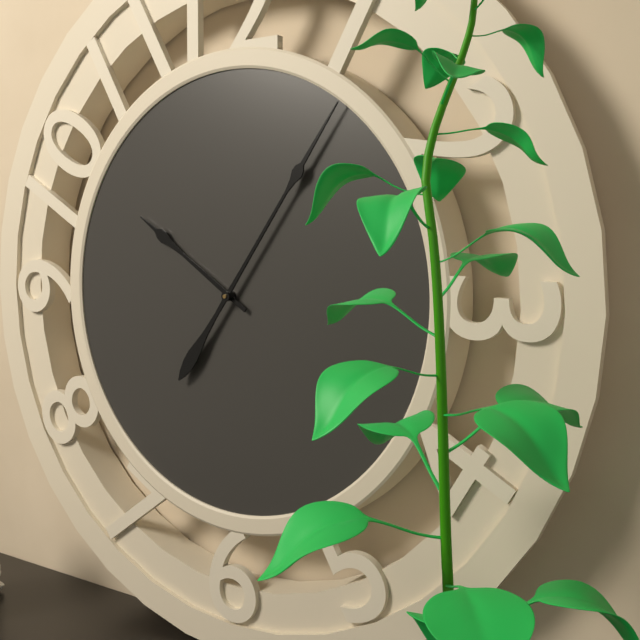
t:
10 h 06 min
